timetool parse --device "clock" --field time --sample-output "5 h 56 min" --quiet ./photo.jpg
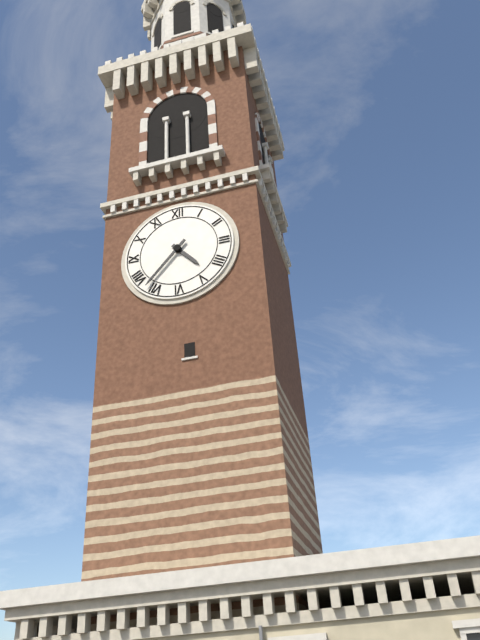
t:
4 h 37 min
